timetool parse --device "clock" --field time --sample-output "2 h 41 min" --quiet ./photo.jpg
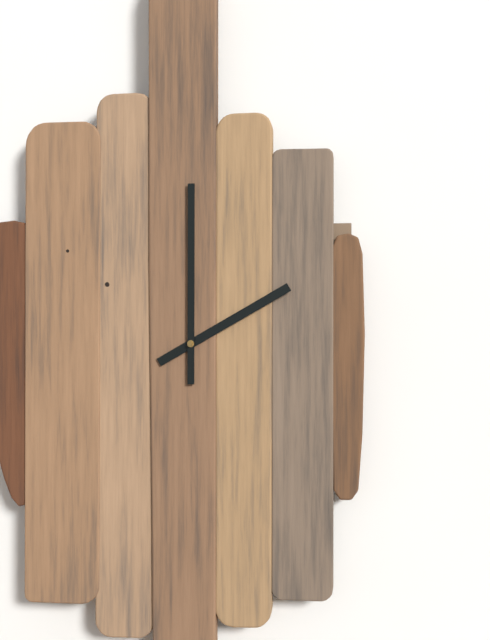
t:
2 h 00 min
